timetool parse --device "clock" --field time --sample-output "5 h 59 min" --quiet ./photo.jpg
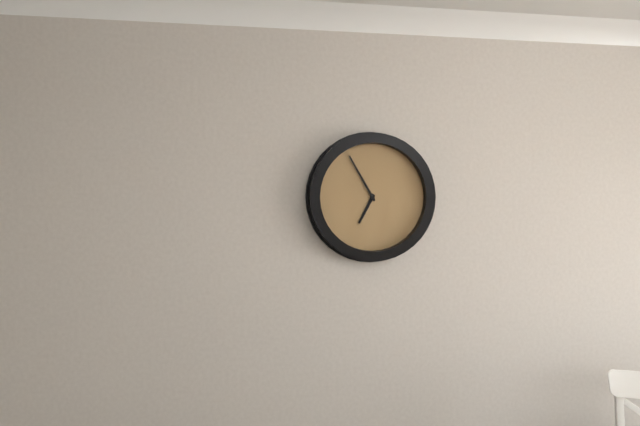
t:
6 h 55 min
